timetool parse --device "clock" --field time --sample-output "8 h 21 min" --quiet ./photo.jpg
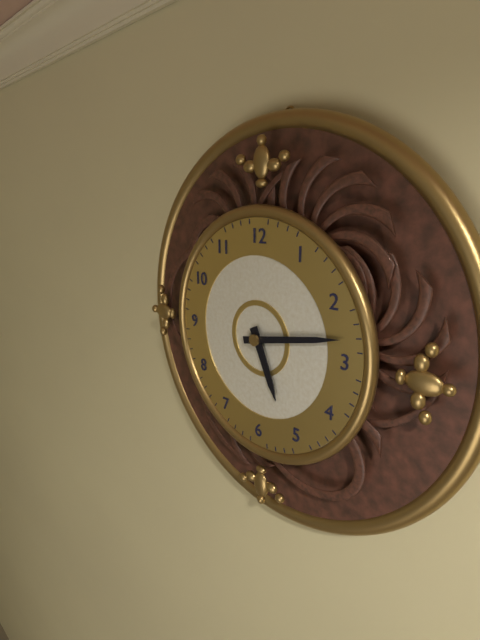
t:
5 h 13 min
